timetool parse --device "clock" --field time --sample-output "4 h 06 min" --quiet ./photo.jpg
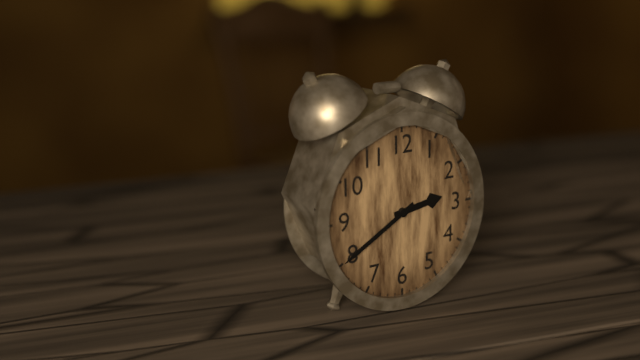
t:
2 h 40 min
